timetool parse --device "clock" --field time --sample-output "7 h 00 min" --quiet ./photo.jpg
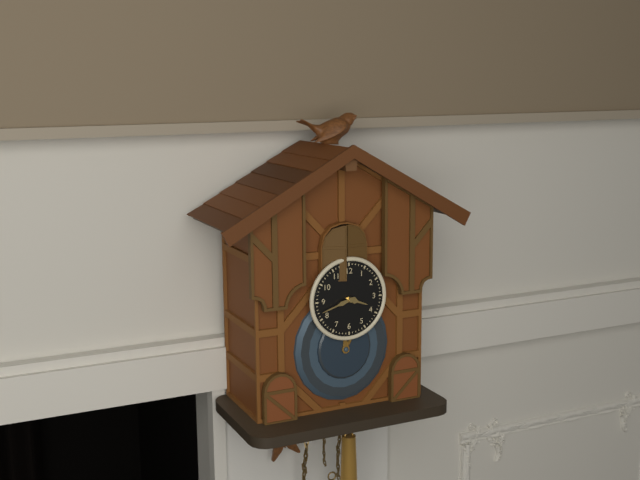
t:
3 h 42 min
